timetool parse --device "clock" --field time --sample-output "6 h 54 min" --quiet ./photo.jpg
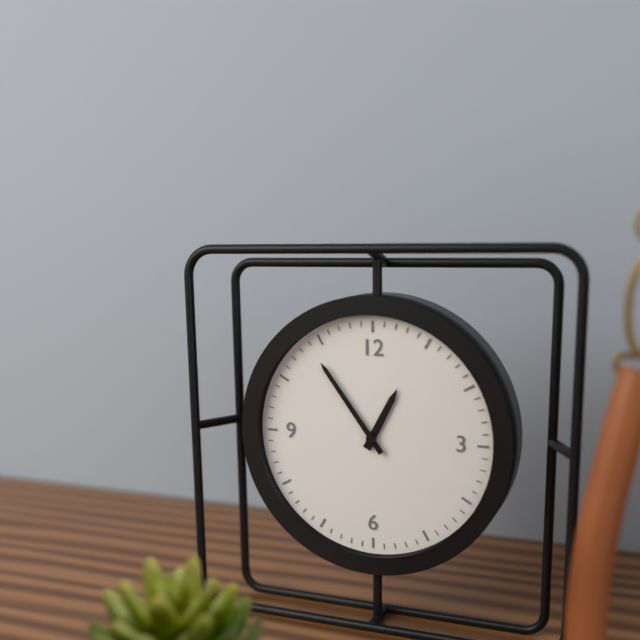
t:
12 h 54 min
